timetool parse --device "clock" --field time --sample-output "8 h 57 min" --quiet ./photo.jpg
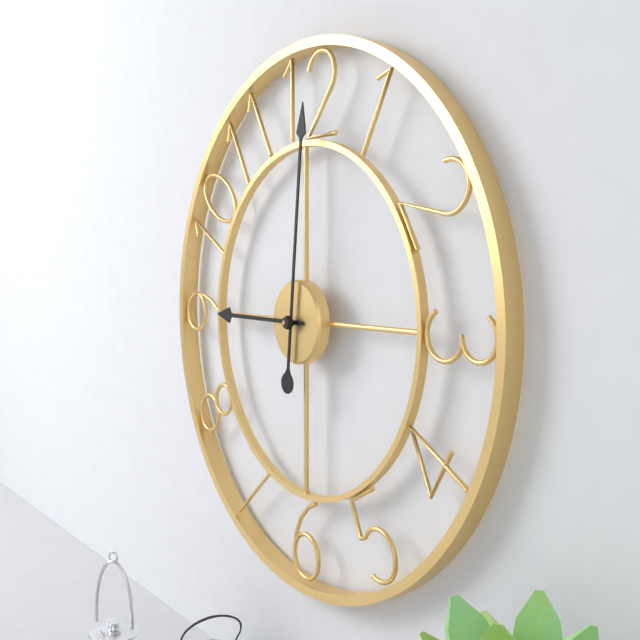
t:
9 h 01 min
